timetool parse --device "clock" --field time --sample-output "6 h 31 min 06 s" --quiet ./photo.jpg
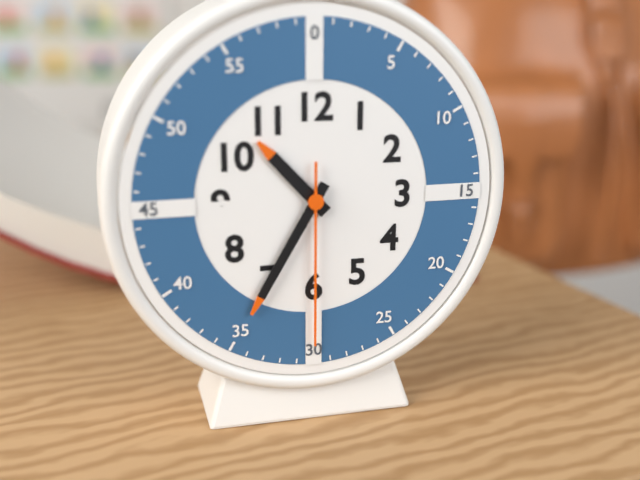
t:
10 h 35 min 30 s
